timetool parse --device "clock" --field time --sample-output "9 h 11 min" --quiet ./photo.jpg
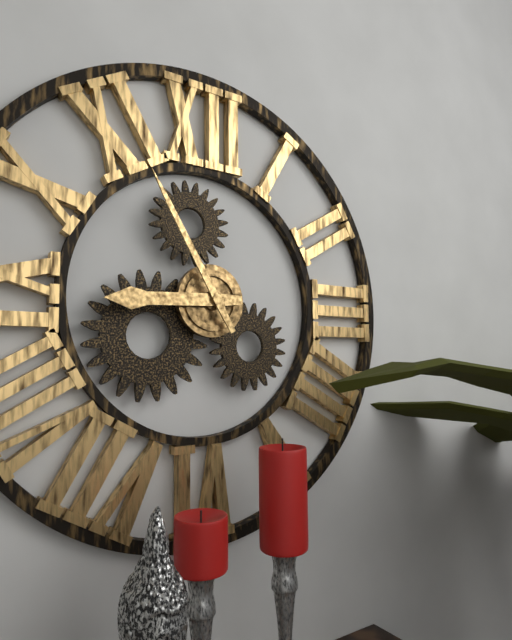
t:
8 h 55 min
